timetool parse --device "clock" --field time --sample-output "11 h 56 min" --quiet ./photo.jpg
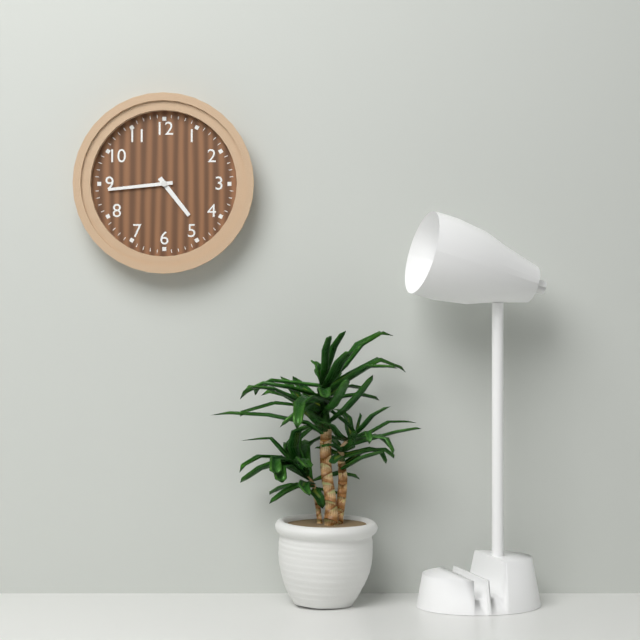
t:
4 h 44 min
